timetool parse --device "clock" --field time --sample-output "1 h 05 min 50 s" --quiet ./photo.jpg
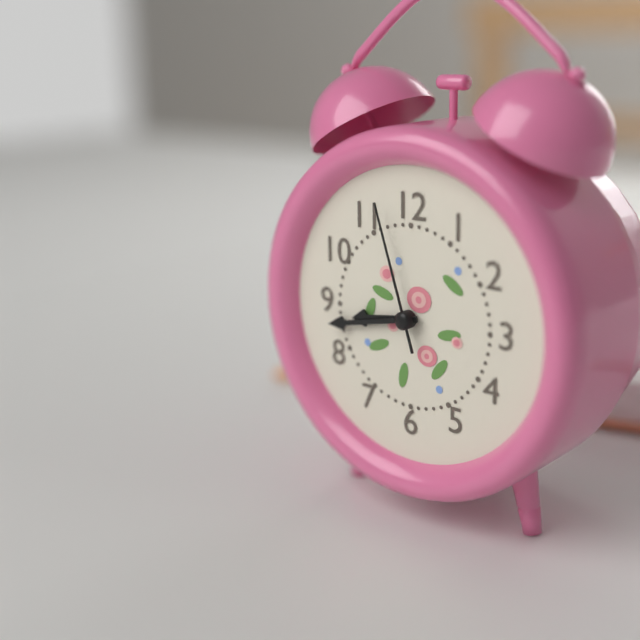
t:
8 h 43 min 57 s
